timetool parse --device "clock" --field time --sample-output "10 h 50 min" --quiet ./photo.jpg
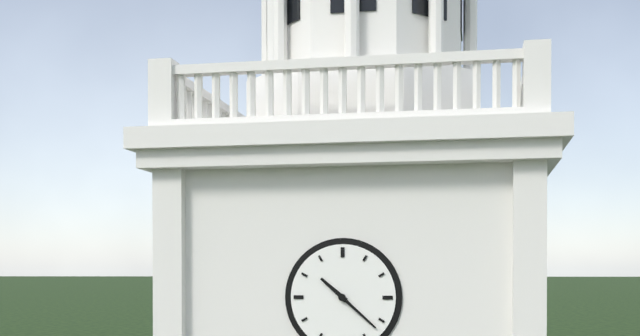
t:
10 h 22 min
